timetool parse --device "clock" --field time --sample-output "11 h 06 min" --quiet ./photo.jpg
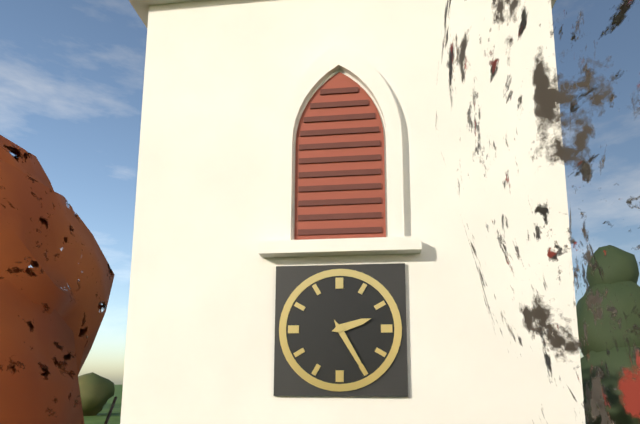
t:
2 h 25 min
